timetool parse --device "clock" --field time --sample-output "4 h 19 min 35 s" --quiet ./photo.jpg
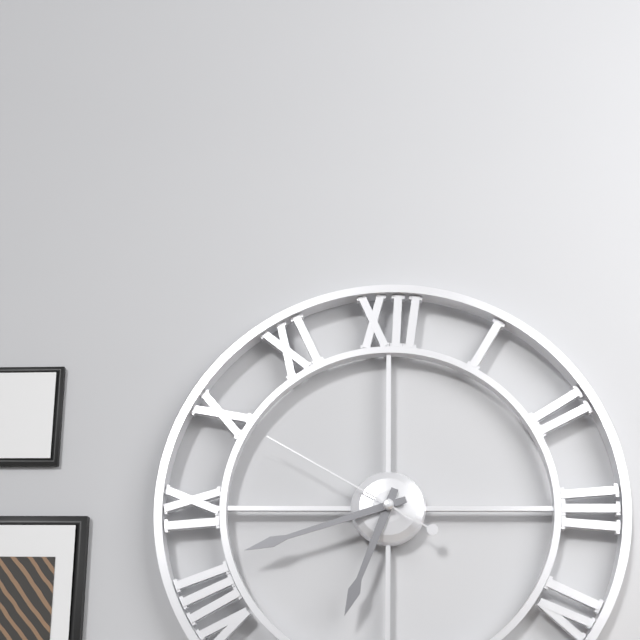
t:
6 h 42 min 50 s
